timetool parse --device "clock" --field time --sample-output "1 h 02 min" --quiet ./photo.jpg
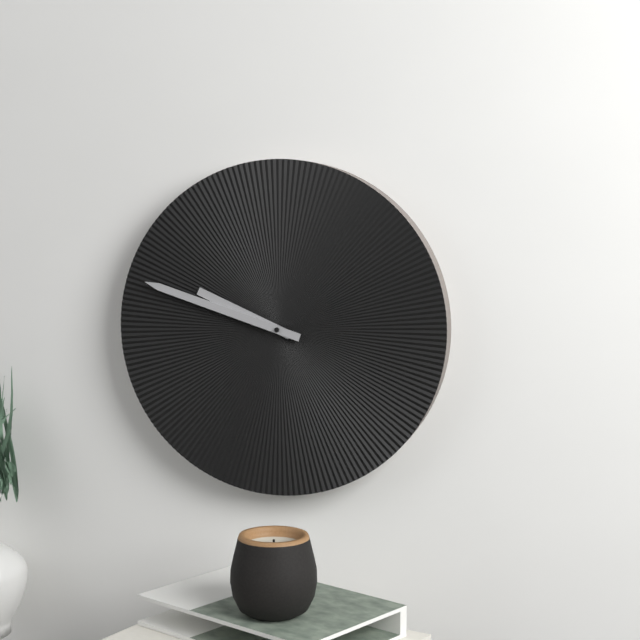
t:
9 h 48 min
